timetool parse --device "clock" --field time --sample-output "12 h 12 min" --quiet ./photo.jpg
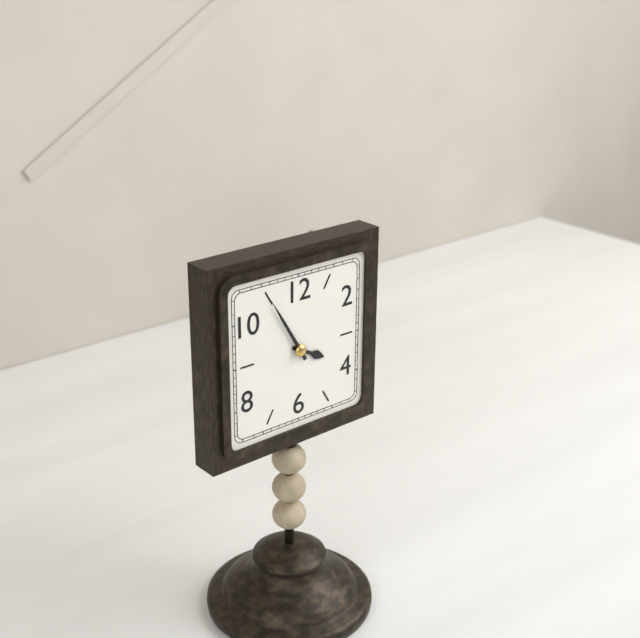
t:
3 h 55 min
